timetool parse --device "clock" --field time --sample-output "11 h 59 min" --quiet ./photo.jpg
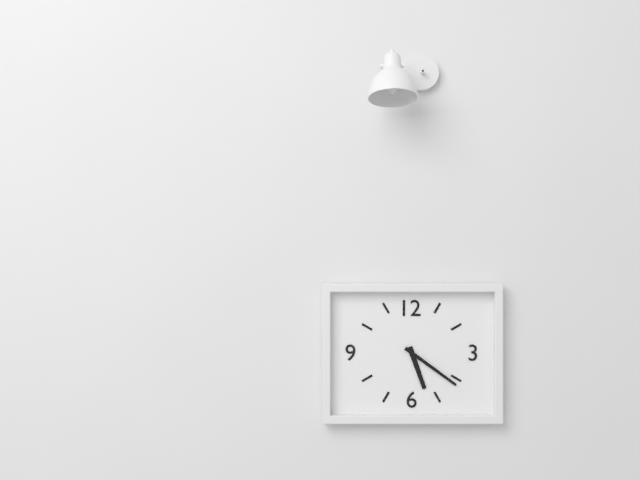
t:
5 h 21 min
